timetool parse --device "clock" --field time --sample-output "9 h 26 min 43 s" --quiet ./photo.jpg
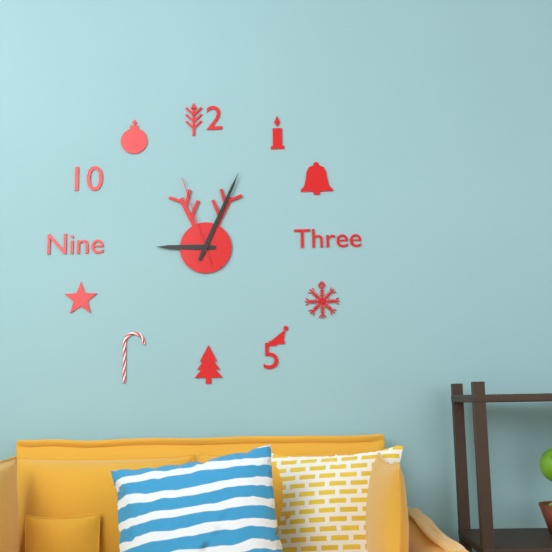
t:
9 h 04 min 57 s
